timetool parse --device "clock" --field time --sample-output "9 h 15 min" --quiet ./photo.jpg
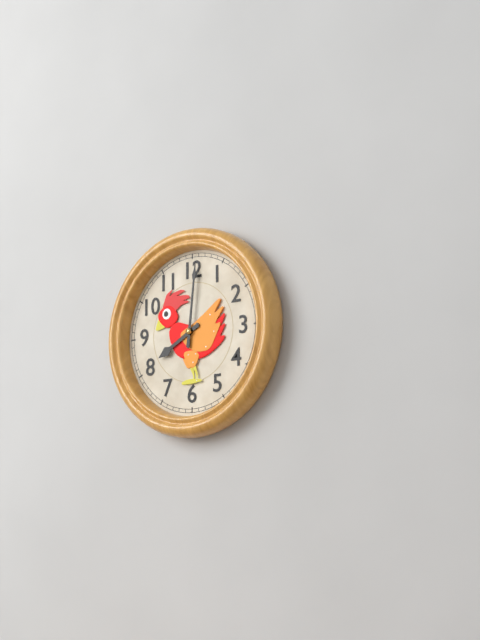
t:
8 h 01 min
